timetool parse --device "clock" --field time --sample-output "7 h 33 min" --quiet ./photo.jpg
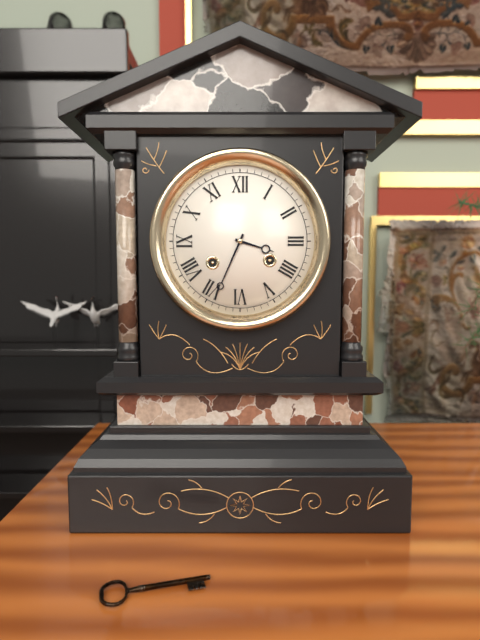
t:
3 h 34 min
